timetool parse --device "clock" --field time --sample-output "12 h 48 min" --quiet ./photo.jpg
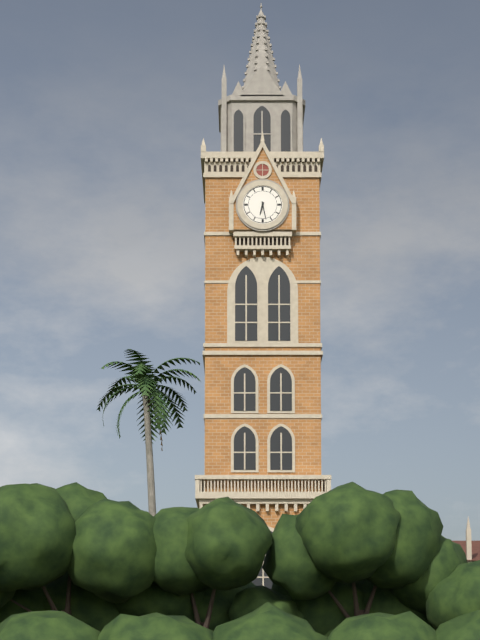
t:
6 h 28 min
